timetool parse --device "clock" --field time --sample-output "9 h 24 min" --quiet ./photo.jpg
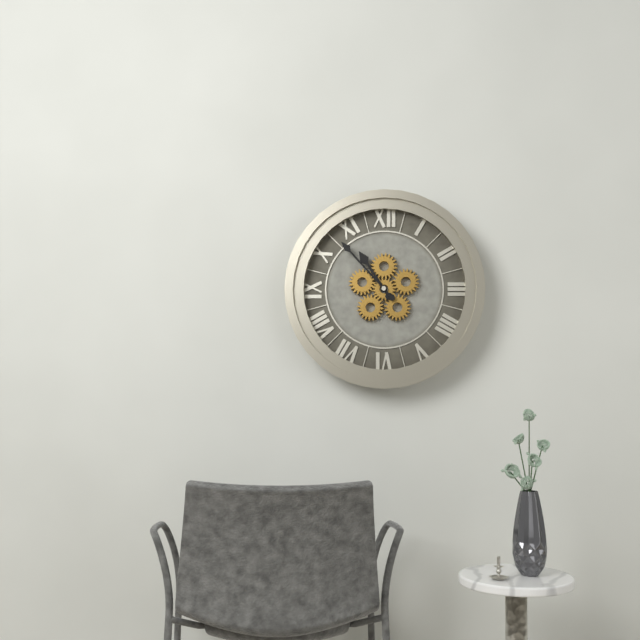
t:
10 h 53 min
